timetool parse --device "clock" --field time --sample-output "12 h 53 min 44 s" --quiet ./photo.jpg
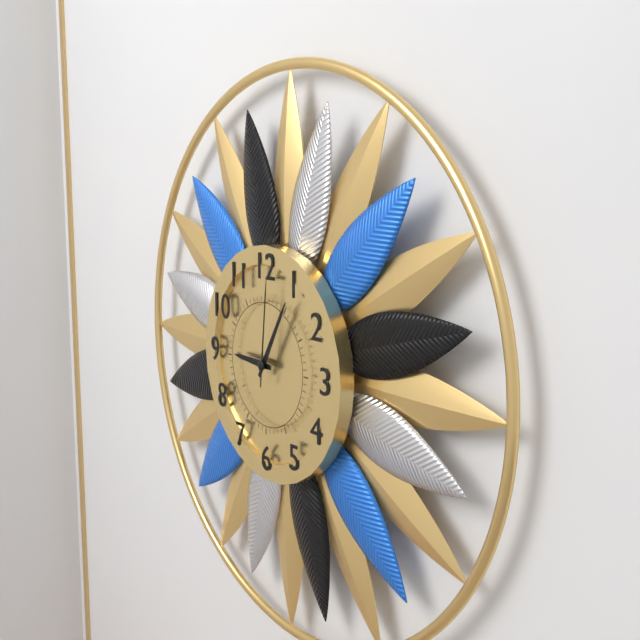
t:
9 h 05 min 01 s
